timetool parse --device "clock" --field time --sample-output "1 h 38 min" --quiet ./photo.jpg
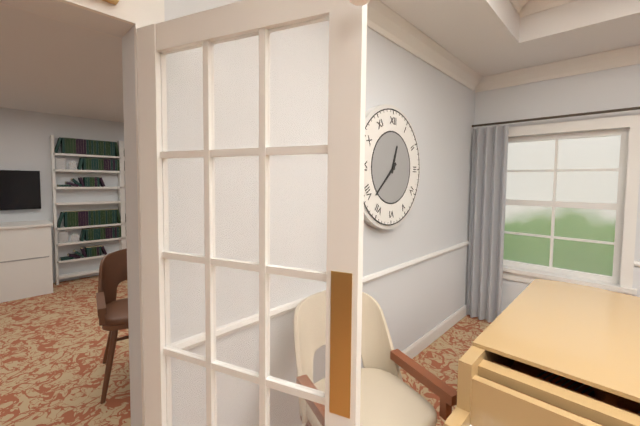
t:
12 h 38 min
